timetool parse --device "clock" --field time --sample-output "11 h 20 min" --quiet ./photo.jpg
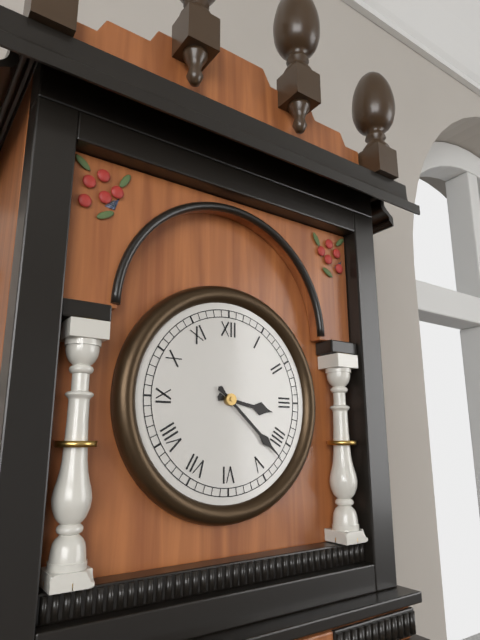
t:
3 h 22 min
